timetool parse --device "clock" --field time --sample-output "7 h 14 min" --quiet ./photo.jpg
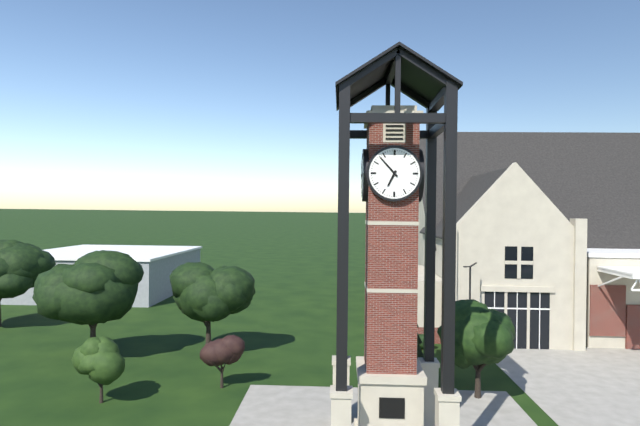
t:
6 h 53 min
